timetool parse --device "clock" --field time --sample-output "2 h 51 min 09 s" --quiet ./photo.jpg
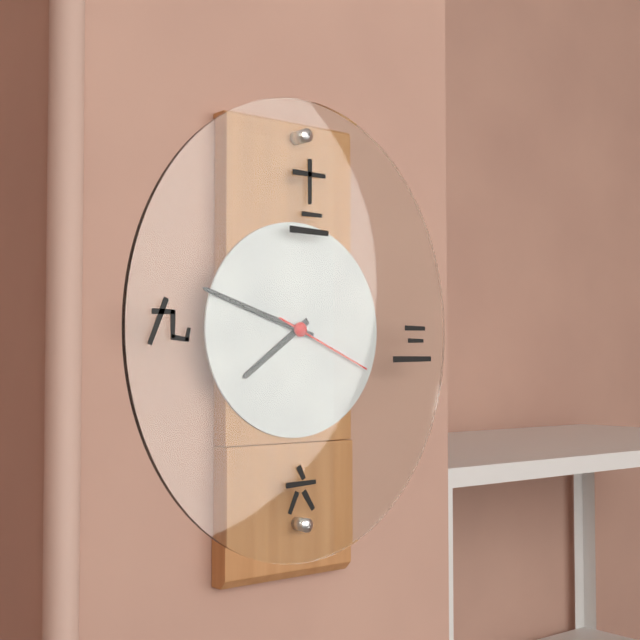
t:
7 h 48 min 19 s
